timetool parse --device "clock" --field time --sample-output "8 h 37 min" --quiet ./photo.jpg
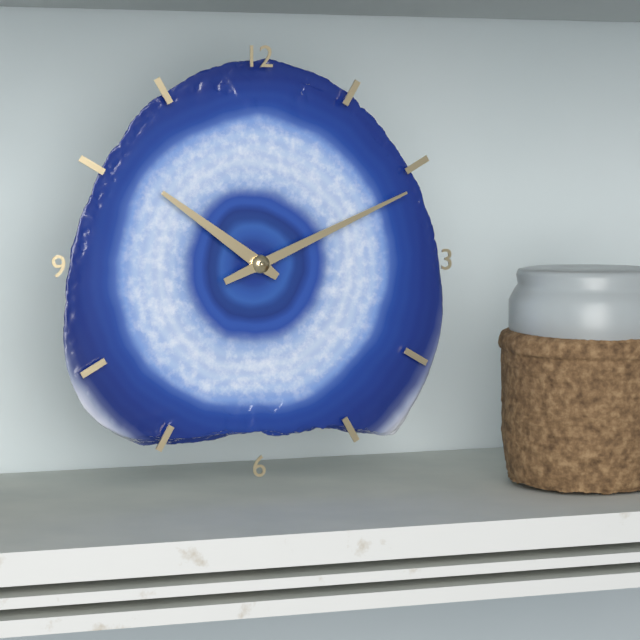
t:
10 h 11 min
